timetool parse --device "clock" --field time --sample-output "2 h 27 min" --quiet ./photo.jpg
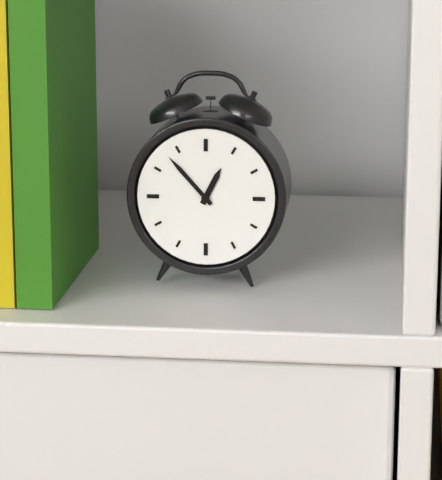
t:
12 h 53 min
